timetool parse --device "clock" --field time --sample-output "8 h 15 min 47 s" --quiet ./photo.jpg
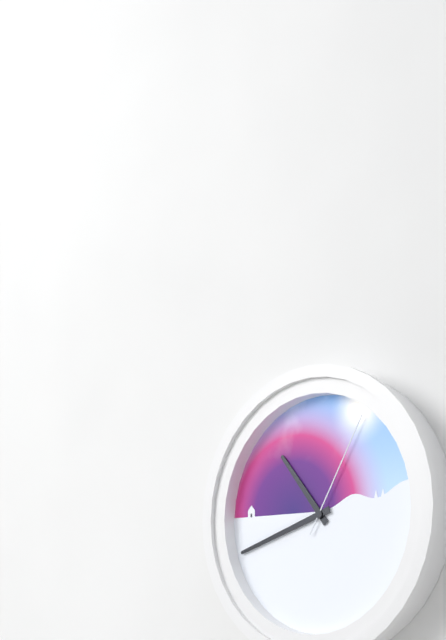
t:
10 h 42 min 05 s
